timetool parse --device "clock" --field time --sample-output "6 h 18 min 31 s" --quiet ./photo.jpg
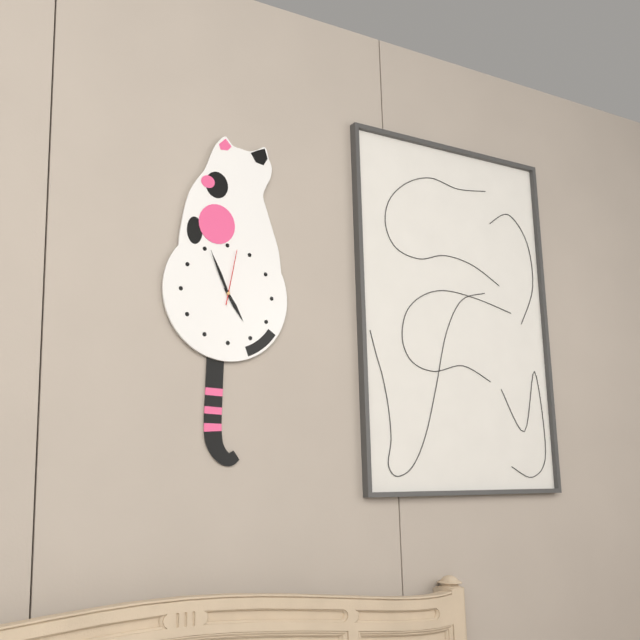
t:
4 h 56 min 02 s
